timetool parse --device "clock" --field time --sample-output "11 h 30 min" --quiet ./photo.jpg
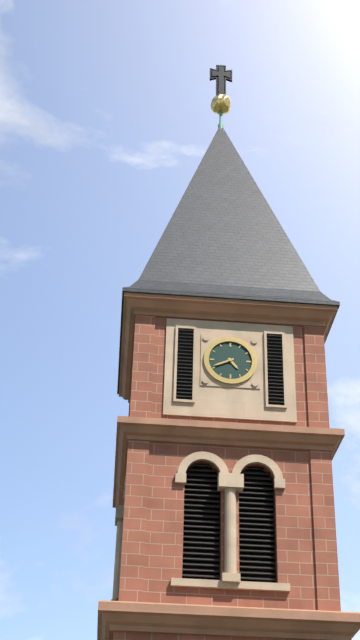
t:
4 h 41 min
